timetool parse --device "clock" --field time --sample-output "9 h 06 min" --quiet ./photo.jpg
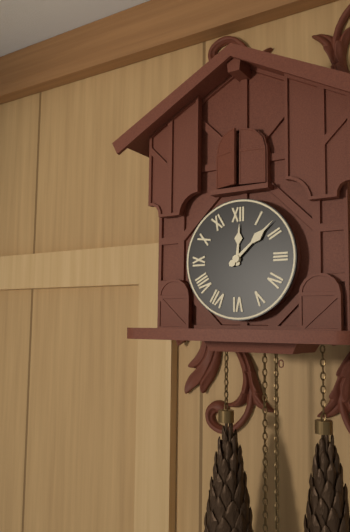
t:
12 h 08 min
